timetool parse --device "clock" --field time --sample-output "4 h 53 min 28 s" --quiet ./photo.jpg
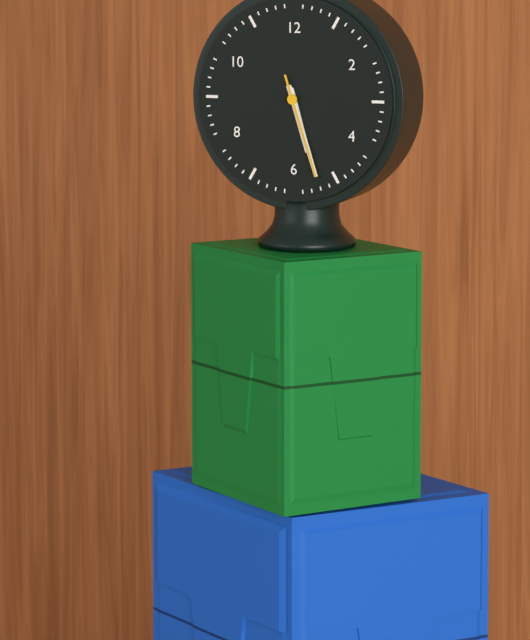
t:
5 h 27 min 27 s
